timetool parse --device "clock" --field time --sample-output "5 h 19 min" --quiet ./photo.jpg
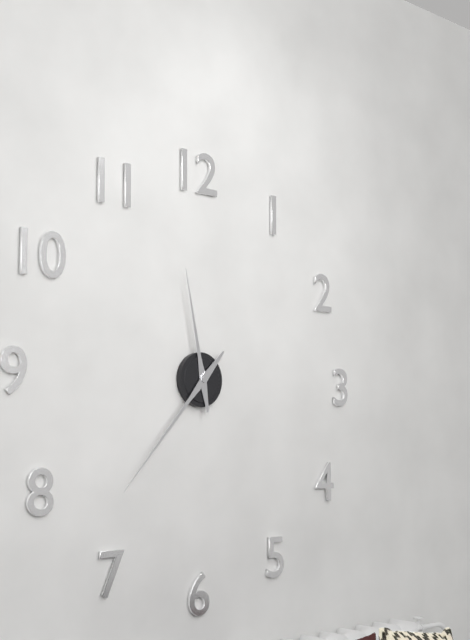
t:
11 h 37 min
